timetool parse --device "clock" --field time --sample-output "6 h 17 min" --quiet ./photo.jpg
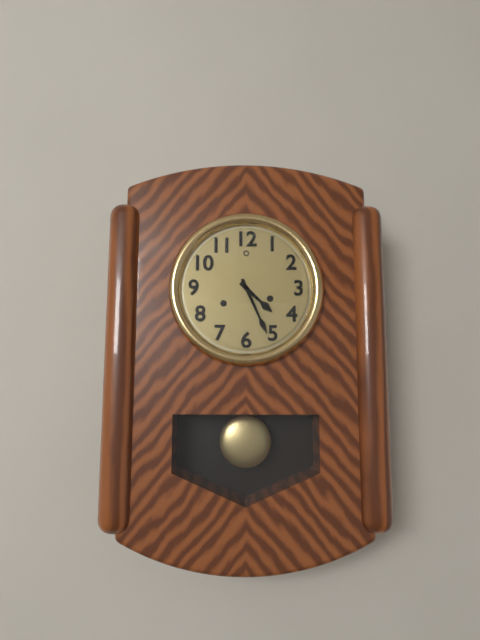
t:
4 h 26 min
